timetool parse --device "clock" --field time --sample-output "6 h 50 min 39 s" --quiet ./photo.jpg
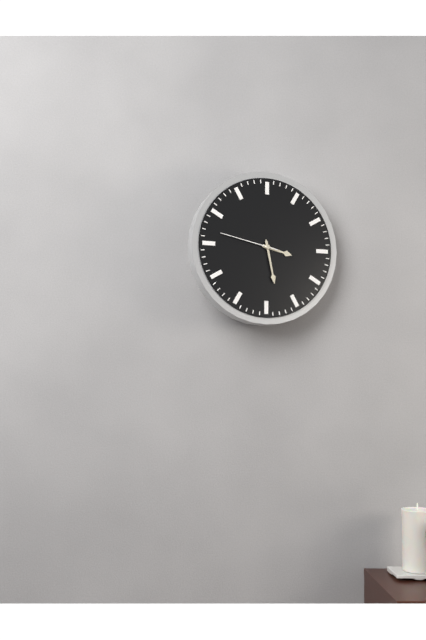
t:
3 h 28 min 47 s
